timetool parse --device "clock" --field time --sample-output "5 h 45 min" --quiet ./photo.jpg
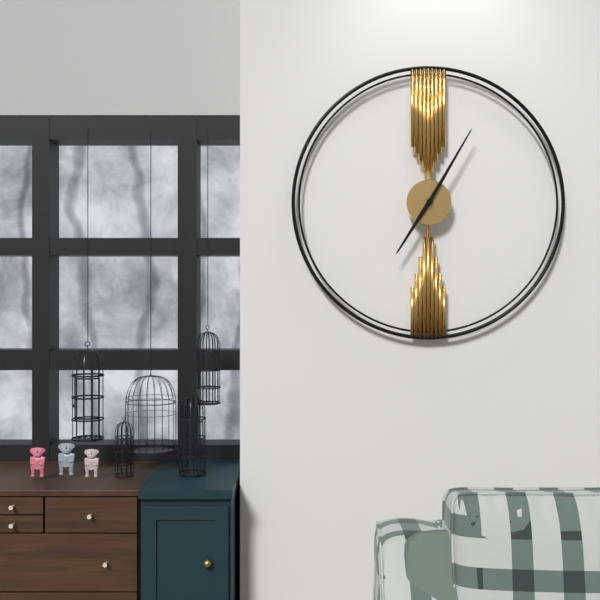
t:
7 h 05 min
